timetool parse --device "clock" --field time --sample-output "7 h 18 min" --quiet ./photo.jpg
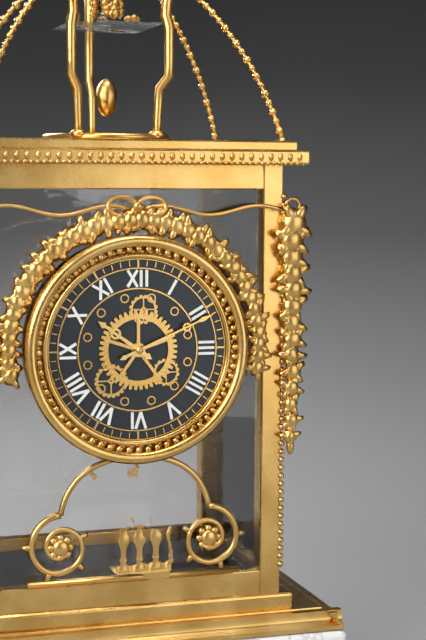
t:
10 h 11 min
